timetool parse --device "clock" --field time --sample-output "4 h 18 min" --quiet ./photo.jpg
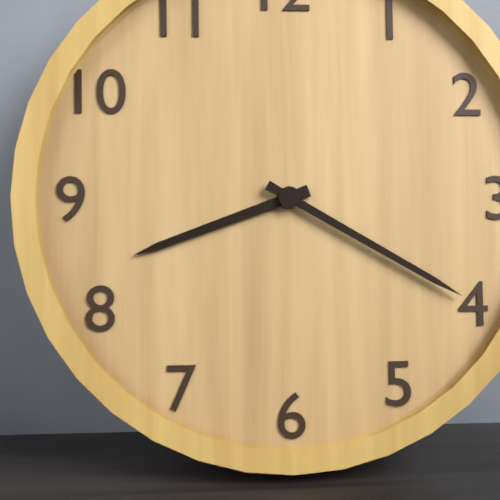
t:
8 h 20 min
